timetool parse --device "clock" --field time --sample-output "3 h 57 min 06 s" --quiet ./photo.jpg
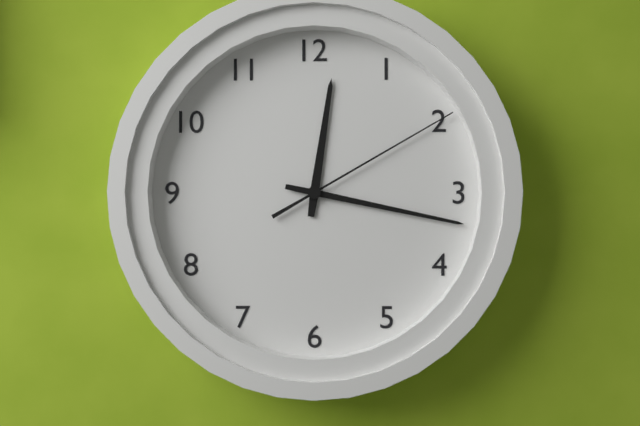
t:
12 h 17 min 10 s
